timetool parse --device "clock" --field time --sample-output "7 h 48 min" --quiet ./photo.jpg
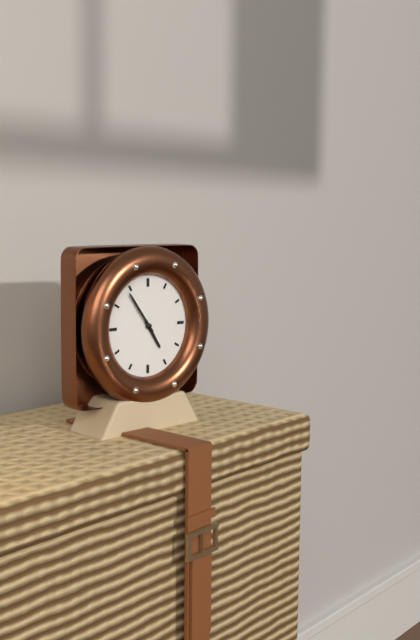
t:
4 h 54 min
